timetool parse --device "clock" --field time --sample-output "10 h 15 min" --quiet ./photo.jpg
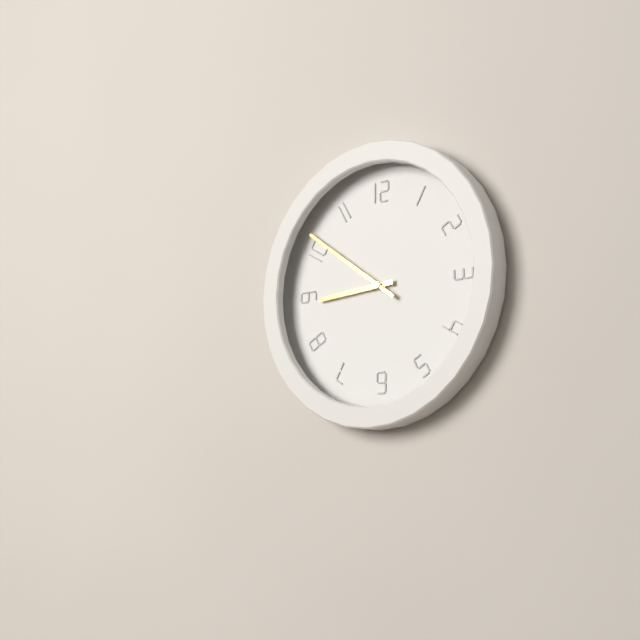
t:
8 h 51 min
